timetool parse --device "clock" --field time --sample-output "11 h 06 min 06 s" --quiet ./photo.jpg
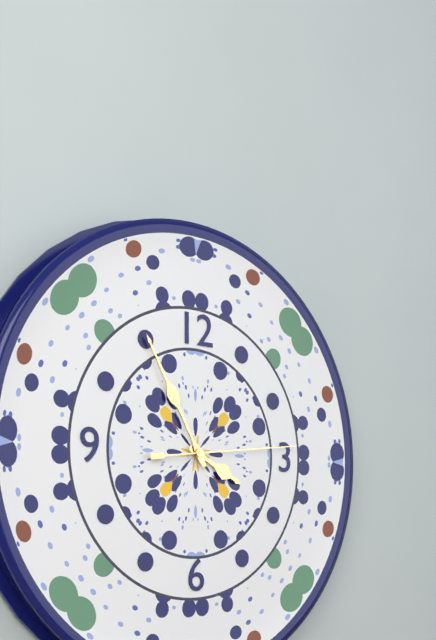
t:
3 h 55 min 14 s
